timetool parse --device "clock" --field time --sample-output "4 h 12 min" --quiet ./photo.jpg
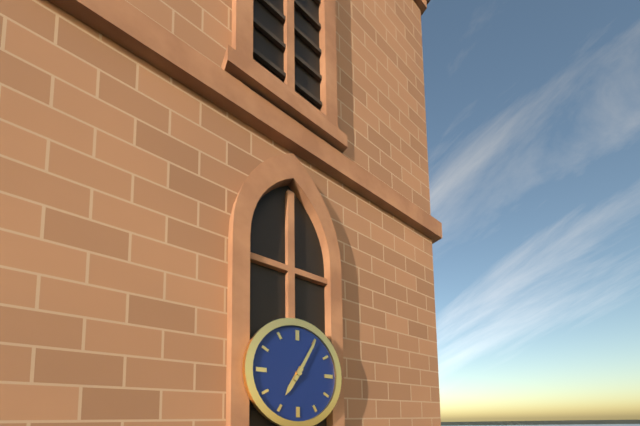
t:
7 h 05 min
